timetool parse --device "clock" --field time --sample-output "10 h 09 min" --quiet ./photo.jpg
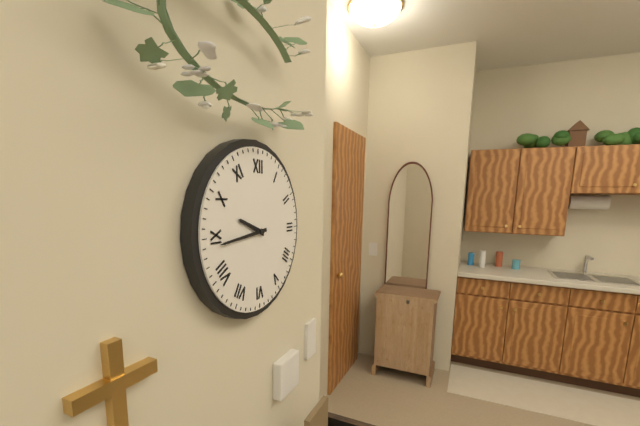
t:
9 h 44 min
